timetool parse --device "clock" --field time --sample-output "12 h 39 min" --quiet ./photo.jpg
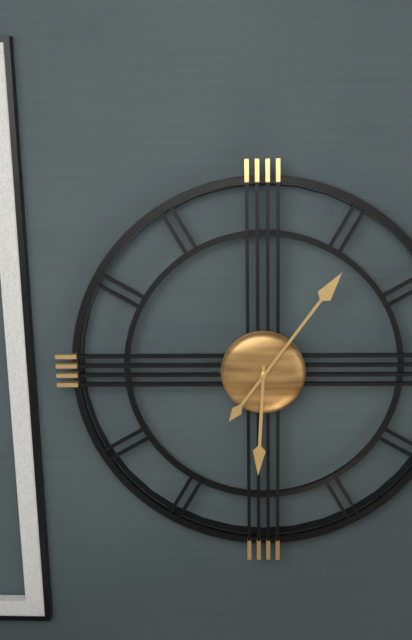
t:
6 h 06 min
